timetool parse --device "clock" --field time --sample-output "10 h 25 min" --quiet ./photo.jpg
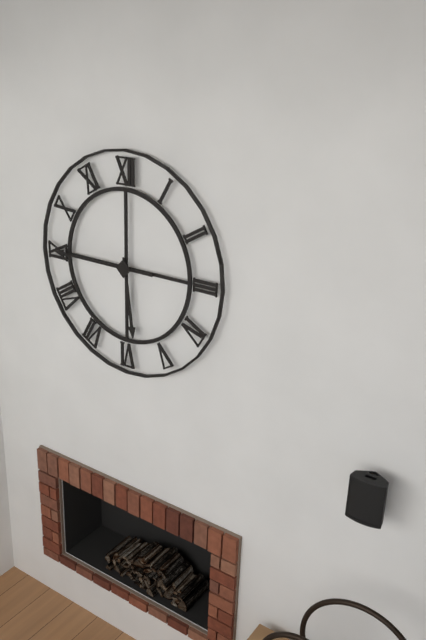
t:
5 h 45 min
